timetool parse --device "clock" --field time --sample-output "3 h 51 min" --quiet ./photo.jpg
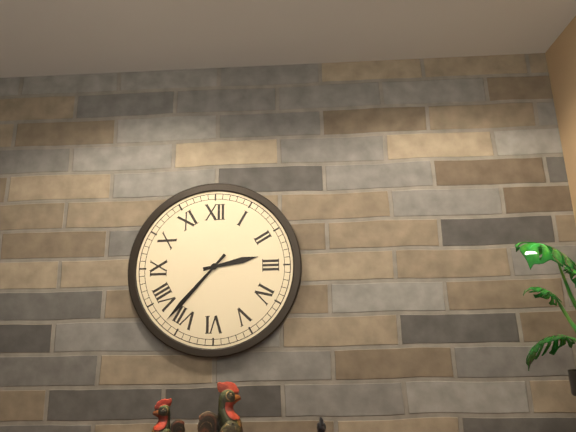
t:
2 h 37 min
